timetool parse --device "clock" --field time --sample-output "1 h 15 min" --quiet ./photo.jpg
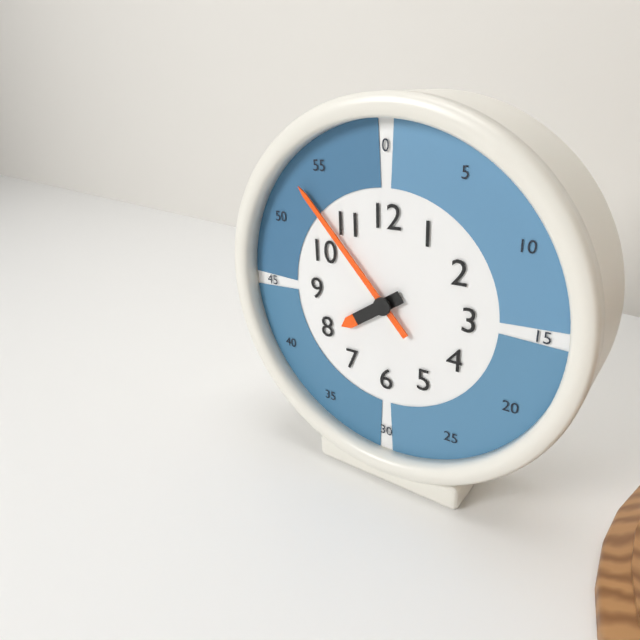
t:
7 h 53 min
